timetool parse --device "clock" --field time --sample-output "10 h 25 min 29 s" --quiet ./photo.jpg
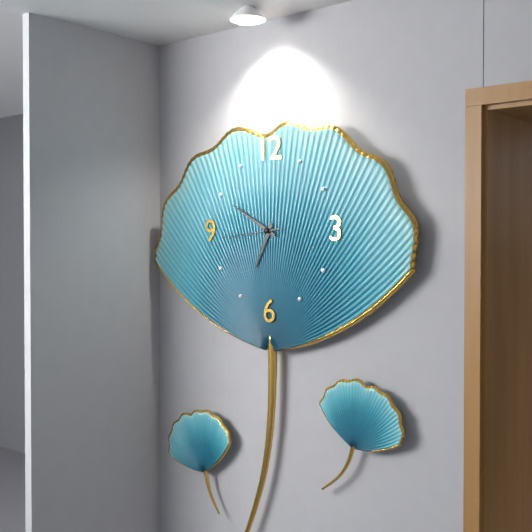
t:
6 h 50 min 44 s
